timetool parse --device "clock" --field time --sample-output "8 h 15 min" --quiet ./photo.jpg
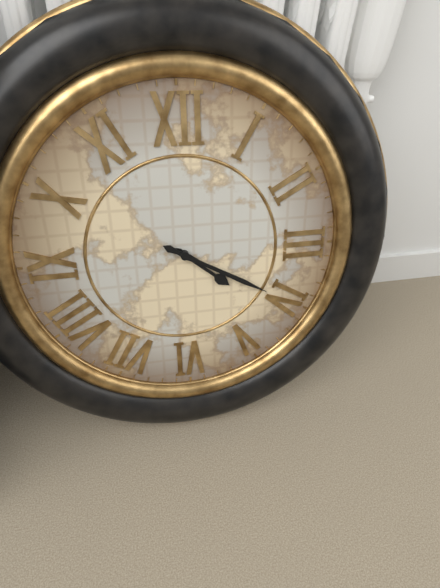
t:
4 h 20 min
